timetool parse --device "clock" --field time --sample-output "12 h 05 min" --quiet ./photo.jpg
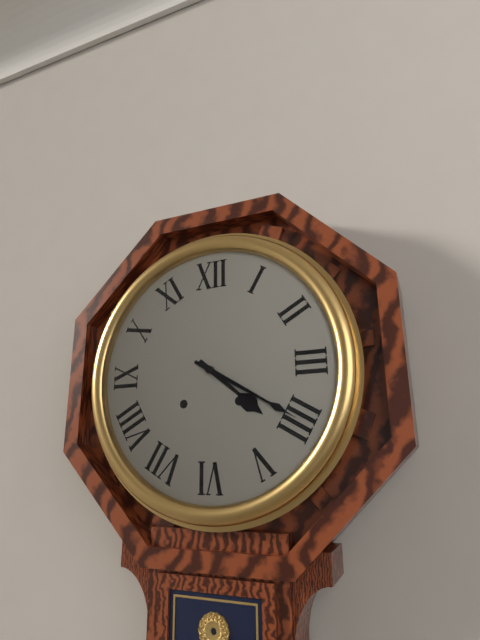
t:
4 h 20 min
